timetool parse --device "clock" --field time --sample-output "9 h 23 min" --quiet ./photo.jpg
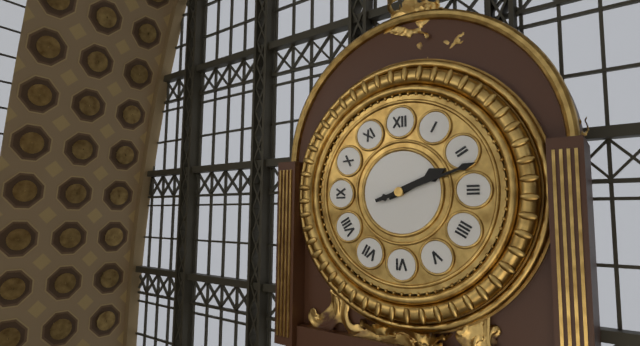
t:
2 h 12 min
